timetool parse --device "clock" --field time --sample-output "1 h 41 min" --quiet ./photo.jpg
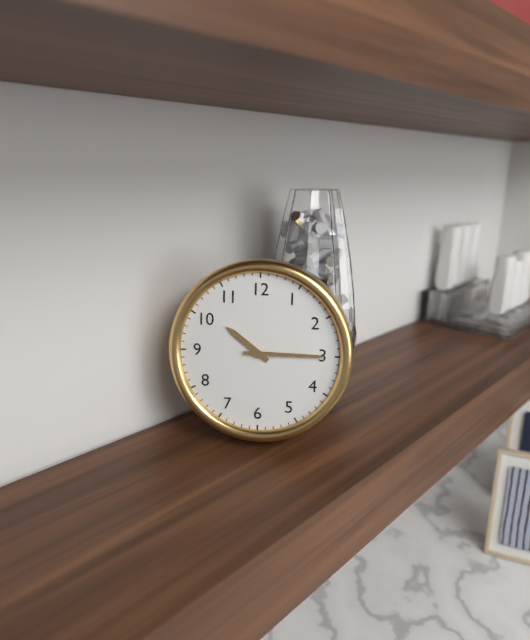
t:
10 h 15 min
